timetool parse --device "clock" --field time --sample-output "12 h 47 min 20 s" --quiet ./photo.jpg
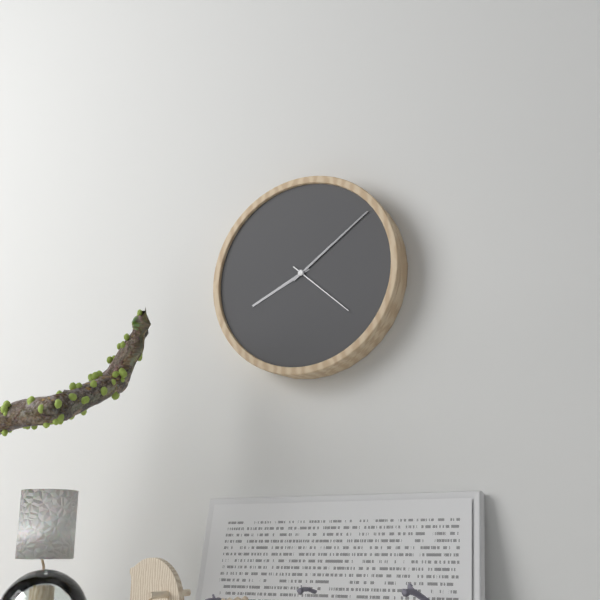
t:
8 h 09 min 22 s
